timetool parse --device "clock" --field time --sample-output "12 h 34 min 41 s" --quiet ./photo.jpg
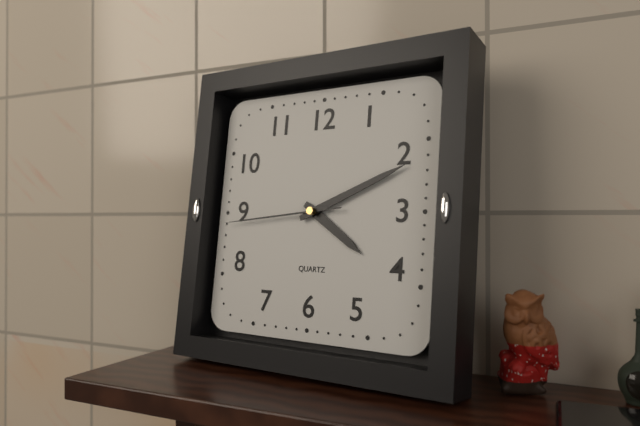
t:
4 h 11 min 44 s
